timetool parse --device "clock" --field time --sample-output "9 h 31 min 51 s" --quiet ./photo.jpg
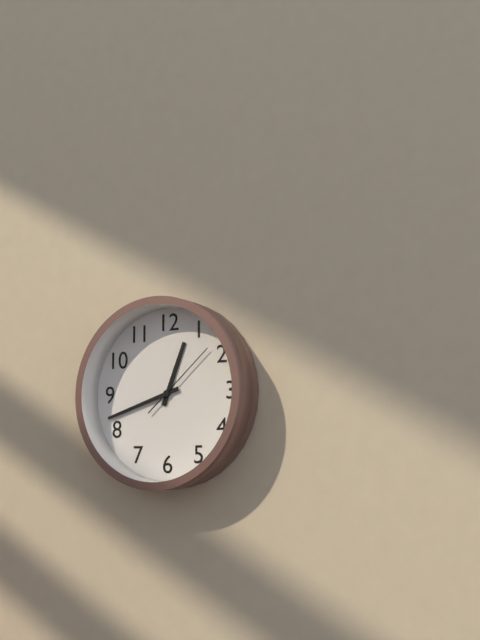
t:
12 h 42 min 08 s
